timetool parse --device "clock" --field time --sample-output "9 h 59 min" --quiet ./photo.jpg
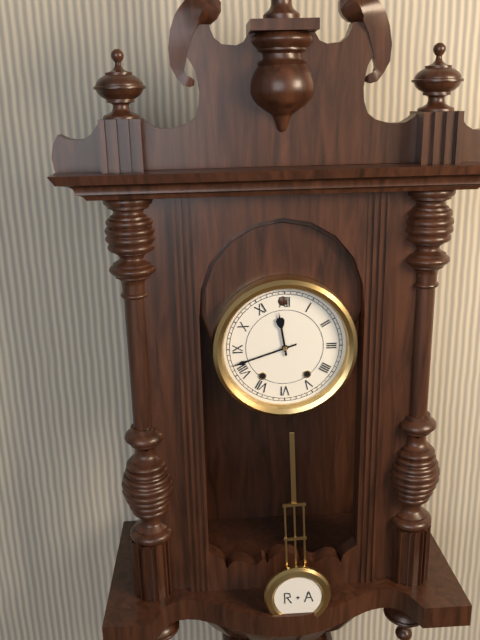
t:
11 h 42 min
